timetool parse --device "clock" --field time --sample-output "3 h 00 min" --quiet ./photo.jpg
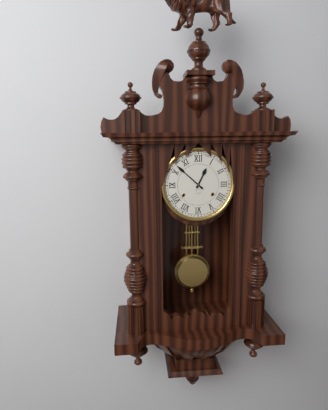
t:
12 h 52 min
